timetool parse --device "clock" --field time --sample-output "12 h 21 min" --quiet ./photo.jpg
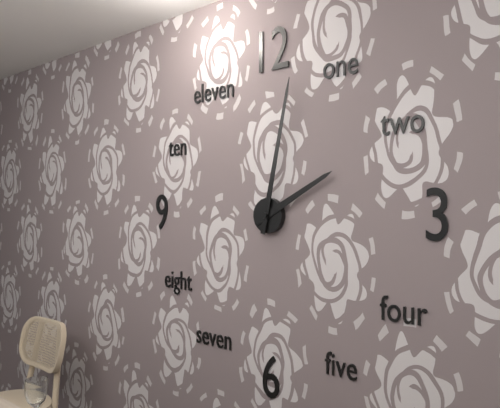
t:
2 h 02 min
